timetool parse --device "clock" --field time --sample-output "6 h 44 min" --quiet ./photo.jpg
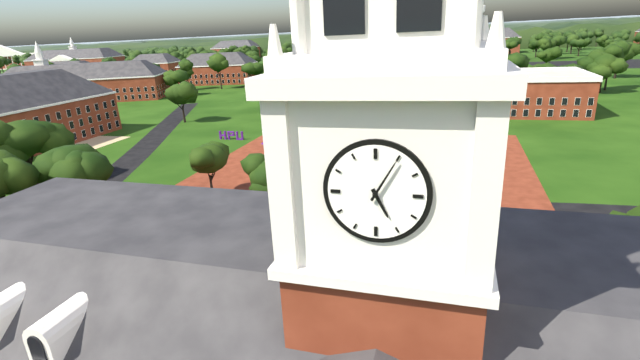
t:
5 h 05 min
